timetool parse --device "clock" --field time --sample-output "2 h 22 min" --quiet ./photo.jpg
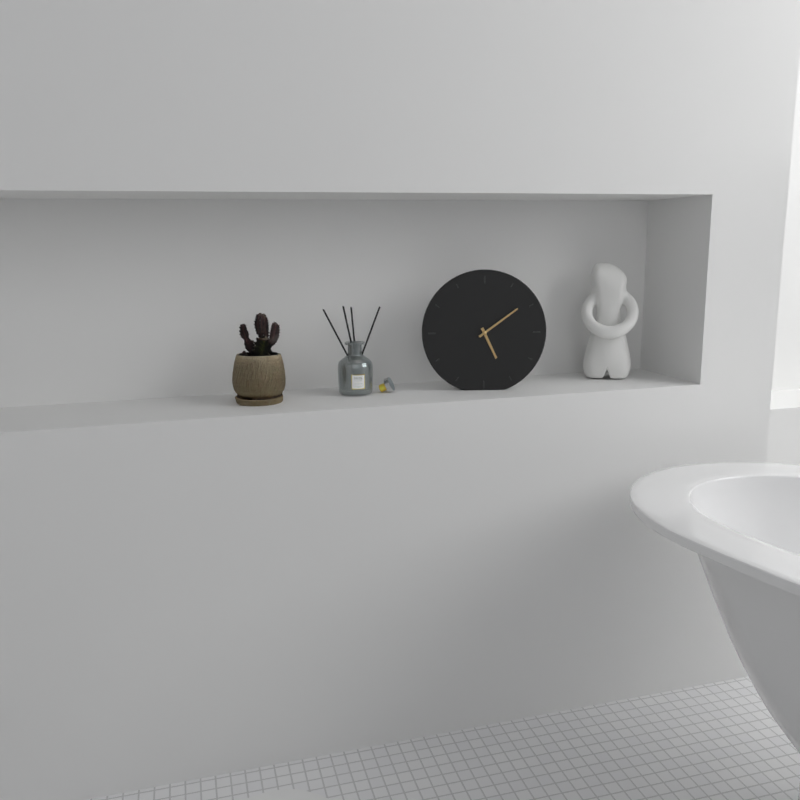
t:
5 h 09 min
